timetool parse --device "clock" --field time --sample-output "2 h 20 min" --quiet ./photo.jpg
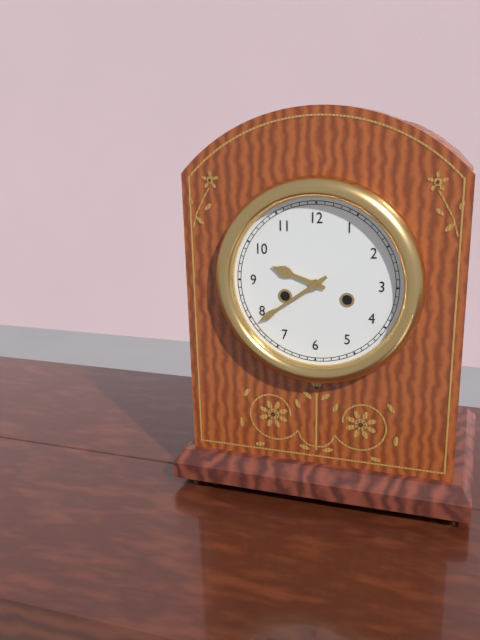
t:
9 h 39 min
